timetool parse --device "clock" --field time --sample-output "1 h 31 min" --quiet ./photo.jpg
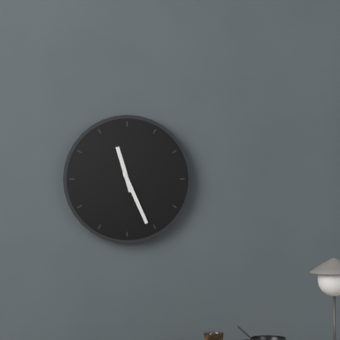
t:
11 h 26 min
